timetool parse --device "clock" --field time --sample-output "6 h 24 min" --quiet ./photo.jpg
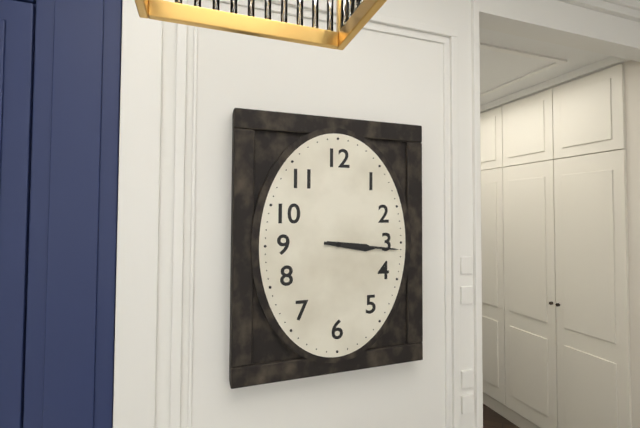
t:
3 h 16 min
